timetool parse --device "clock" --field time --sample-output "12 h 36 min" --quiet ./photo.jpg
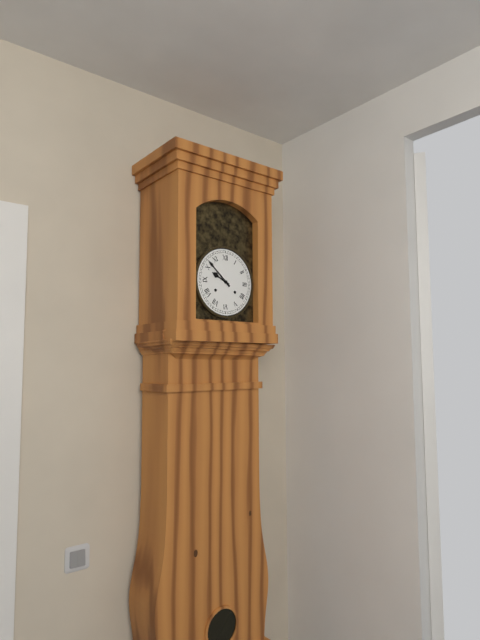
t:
9 h 52 min
